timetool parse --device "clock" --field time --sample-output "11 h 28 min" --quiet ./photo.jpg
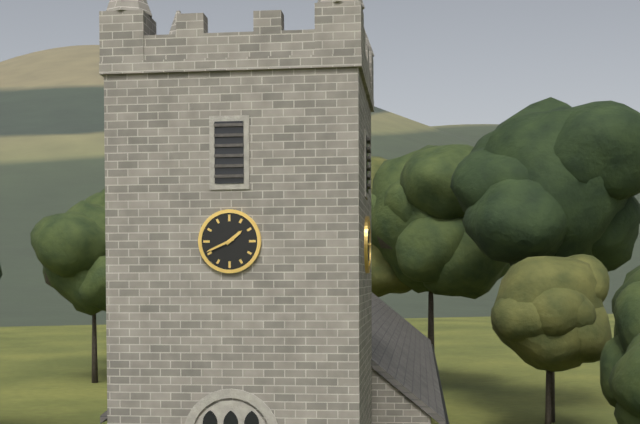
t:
1 h 41 min
